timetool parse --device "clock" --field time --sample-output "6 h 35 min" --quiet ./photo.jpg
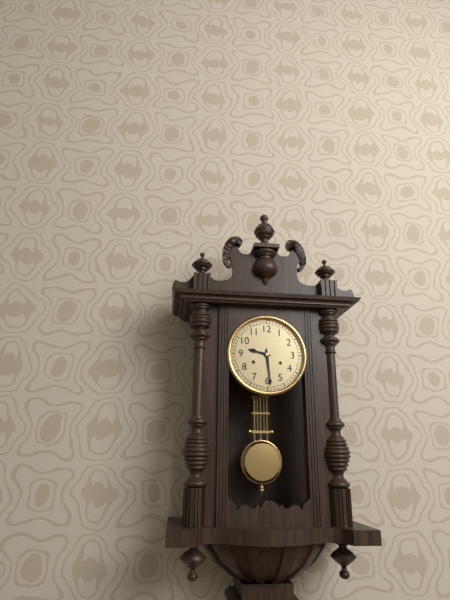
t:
9 h 29 min
